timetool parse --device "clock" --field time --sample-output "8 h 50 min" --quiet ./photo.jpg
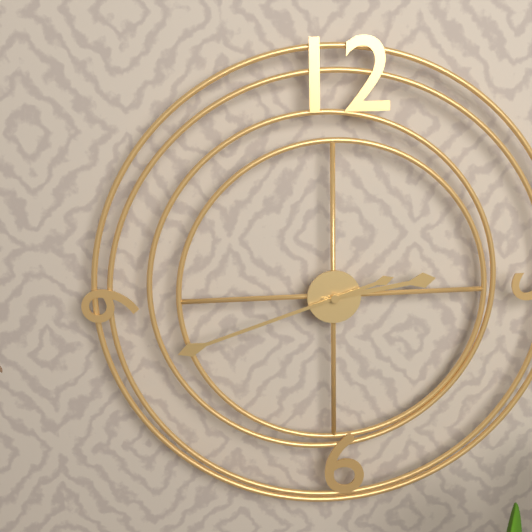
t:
2 h 42 min
